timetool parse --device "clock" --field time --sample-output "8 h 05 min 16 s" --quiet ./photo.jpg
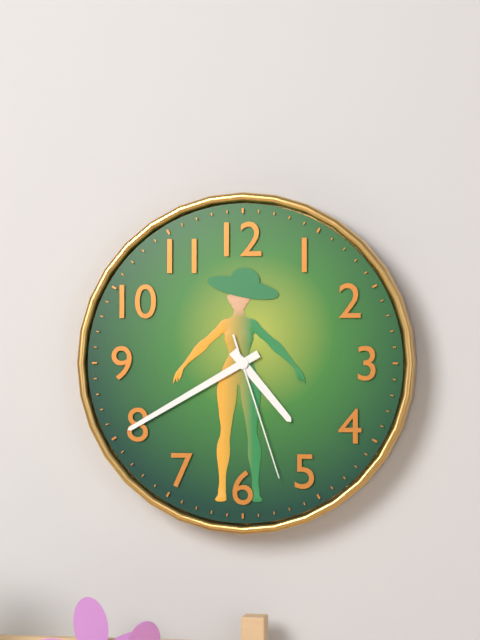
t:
4 h 40 min 27 s
